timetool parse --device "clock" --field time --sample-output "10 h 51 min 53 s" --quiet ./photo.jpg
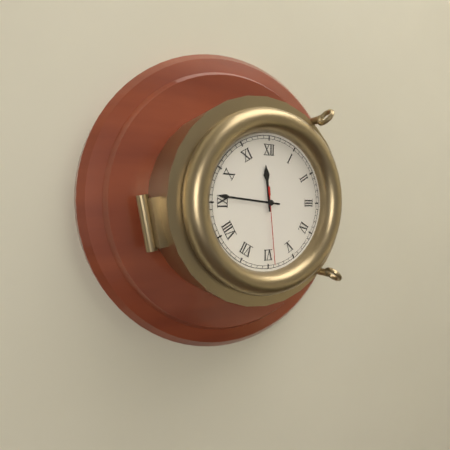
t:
11 h 46 min 29 s
